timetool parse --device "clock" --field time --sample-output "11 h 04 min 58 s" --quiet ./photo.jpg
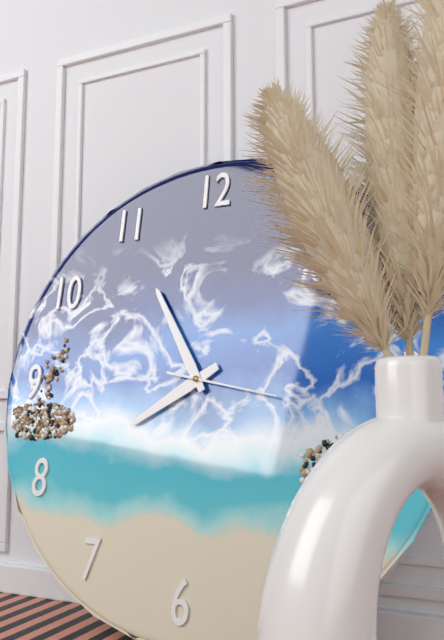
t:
7 h 55 min 17 s
